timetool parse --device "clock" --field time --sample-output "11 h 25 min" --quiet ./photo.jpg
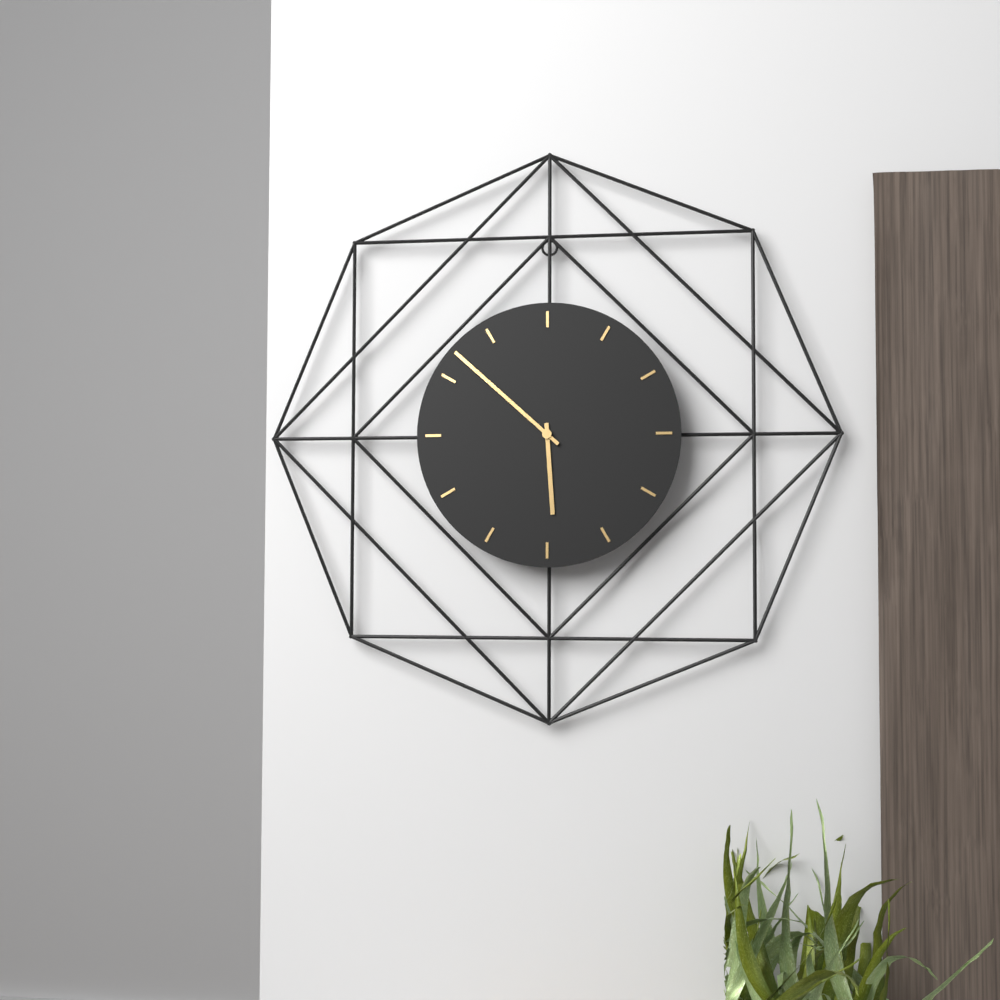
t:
5 h 52 min
